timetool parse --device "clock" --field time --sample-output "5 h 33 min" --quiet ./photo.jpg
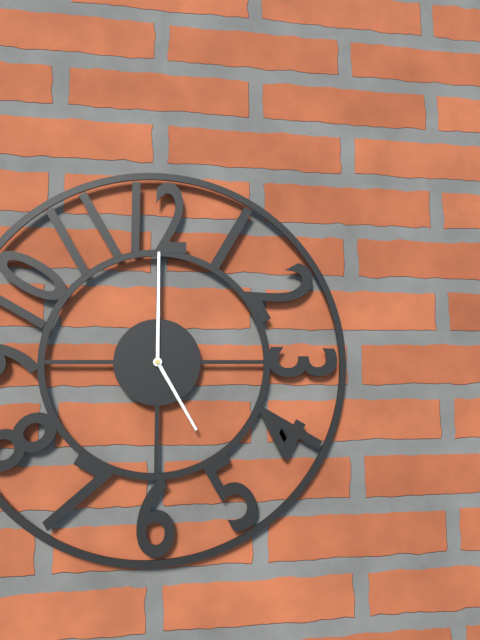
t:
5 h 00 min
